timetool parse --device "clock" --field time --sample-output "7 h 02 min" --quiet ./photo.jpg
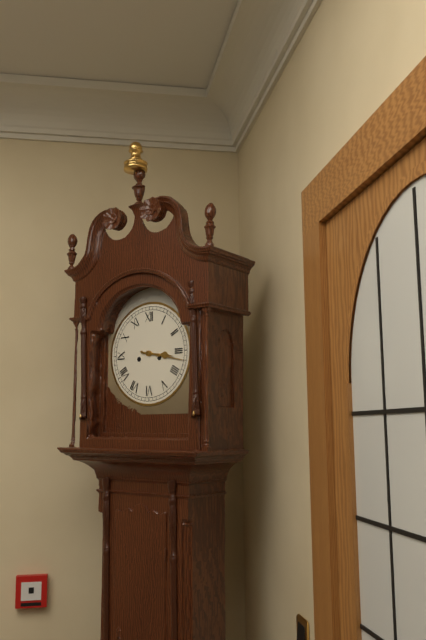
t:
3 h 17 min
